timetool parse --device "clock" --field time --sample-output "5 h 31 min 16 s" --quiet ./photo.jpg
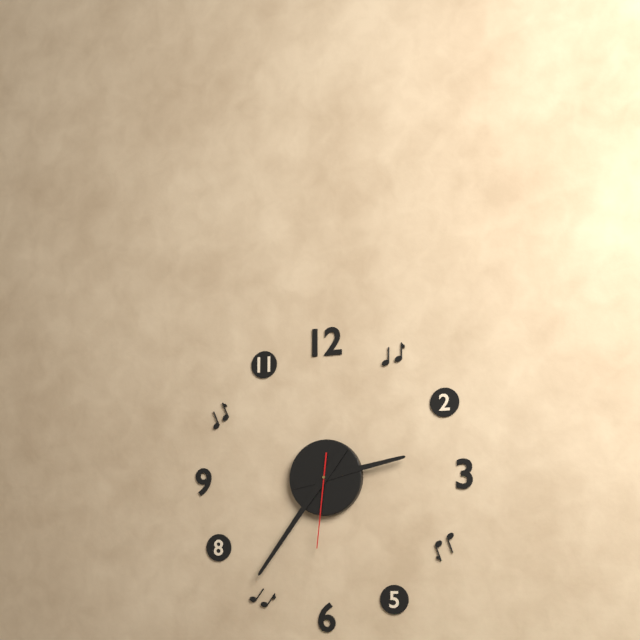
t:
2 h 36 min 31 s
